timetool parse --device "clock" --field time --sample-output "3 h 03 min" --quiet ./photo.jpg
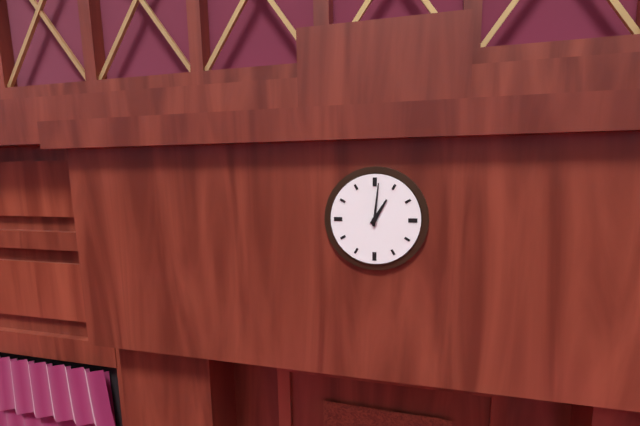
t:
1 h 01 min
